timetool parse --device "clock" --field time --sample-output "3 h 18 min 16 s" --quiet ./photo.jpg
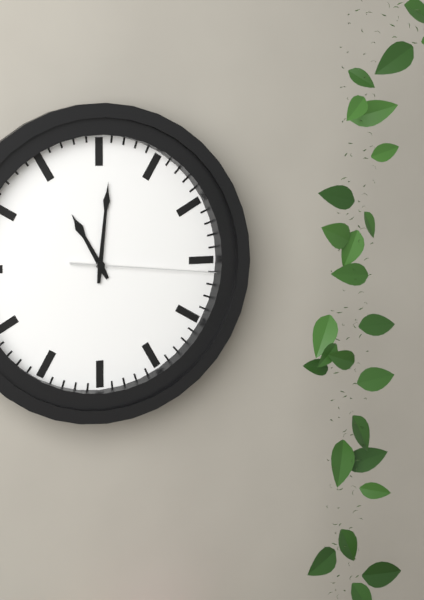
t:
11 h 01 min 16 s
